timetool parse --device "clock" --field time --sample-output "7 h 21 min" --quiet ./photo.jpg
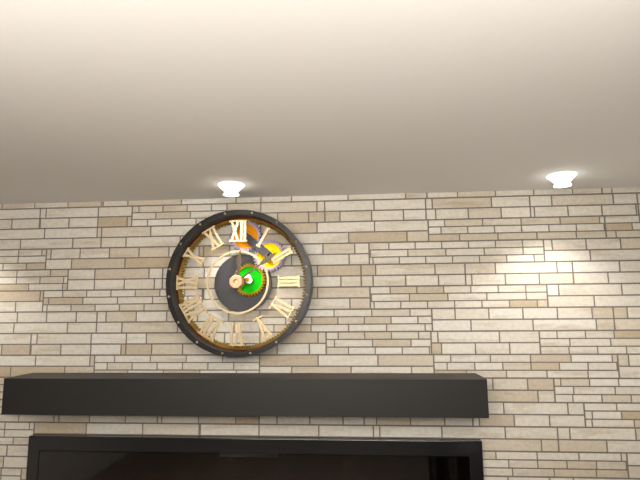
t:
12 h 09 min
